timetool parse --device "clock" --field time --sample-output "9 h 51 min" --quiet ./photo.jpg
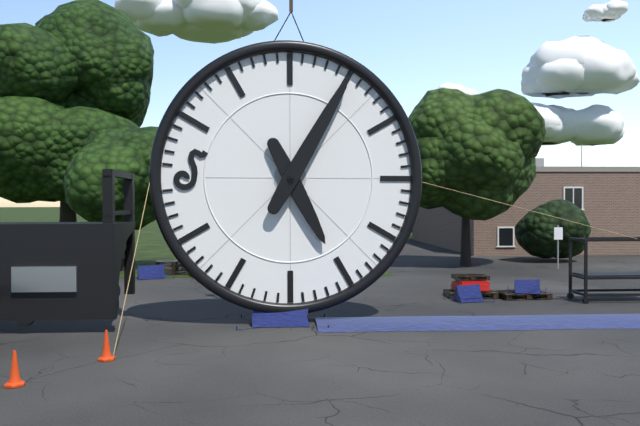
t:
5 h 05 min
